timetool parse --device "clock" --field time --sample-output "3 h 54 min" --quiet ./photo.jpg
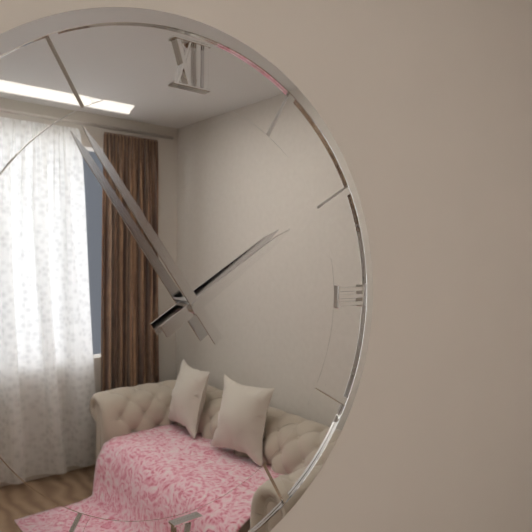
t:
1 h 54 min
